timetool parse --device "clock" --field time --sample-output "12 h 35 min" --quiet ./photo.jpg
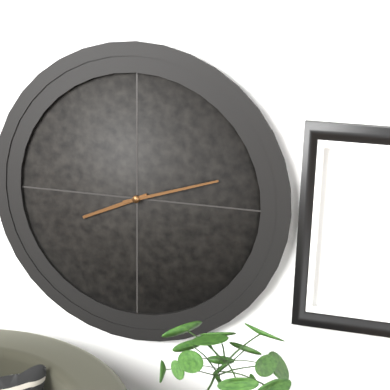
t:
8 h 12 min
